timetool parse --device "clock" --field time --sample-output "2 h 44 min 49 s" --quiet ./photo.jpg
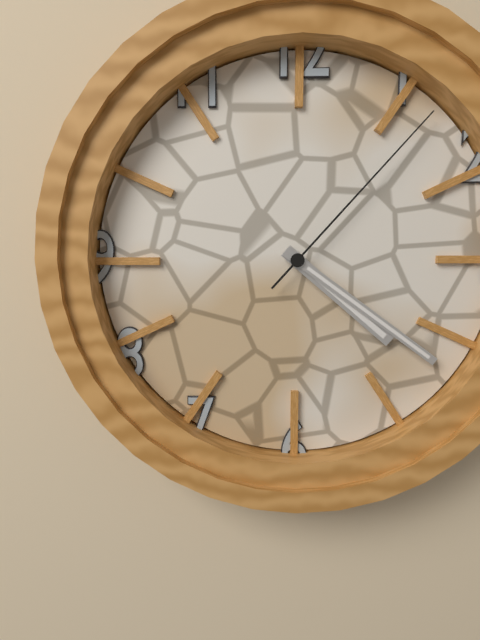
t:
4 h 21 min 07 s
